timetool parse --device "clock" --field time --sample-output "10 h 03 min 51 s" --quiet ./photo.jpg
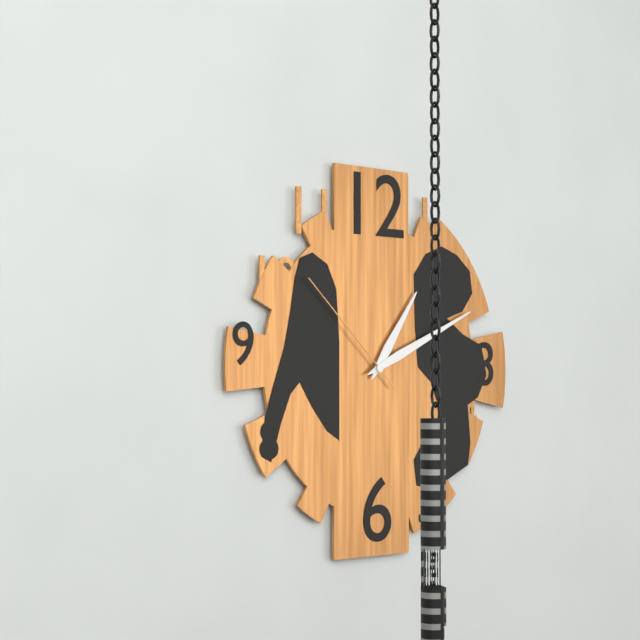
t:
1 h 11 min 52 s
